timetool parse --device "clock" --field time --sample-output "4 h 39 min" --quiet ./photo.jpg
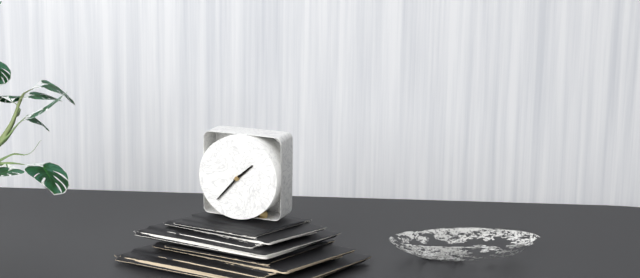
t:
1 h 37 min
